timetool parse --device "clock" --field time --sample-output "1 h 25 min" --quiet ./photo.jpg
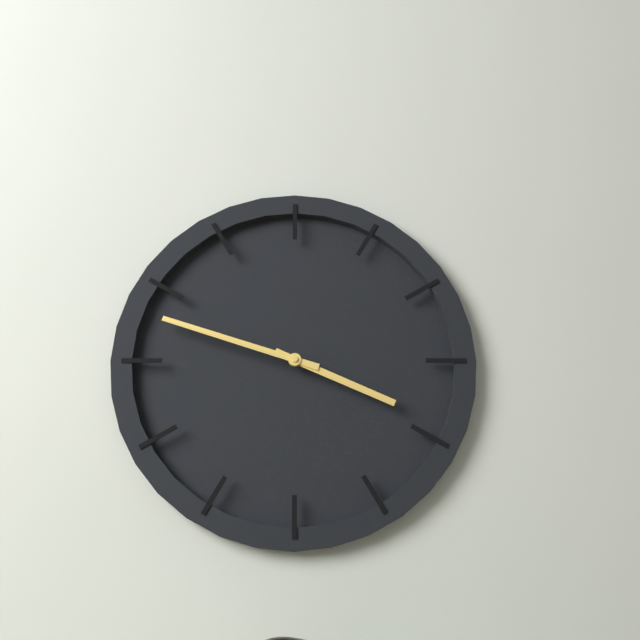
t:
3 h 48 min
